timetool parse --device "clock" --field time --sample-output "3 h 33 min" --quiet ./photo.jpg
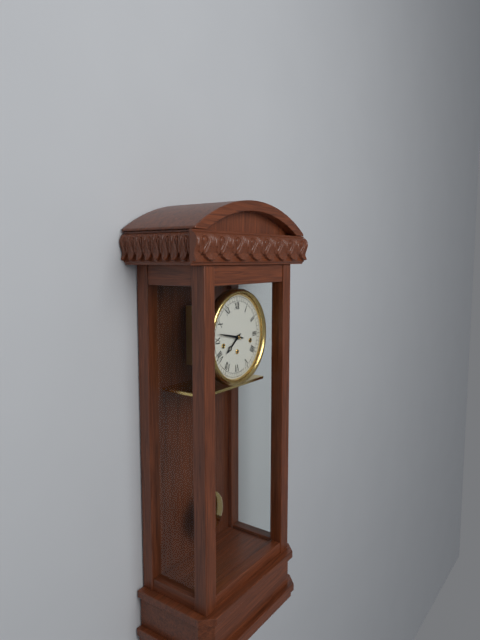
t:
7 h 47 min
